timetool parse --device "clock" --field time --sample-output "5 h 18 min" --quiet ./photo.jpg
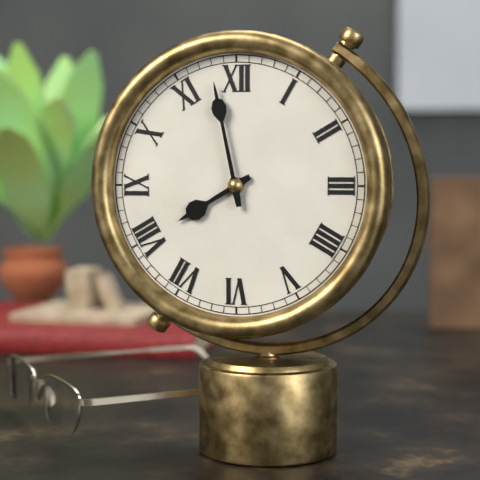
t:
7 h 58 min
